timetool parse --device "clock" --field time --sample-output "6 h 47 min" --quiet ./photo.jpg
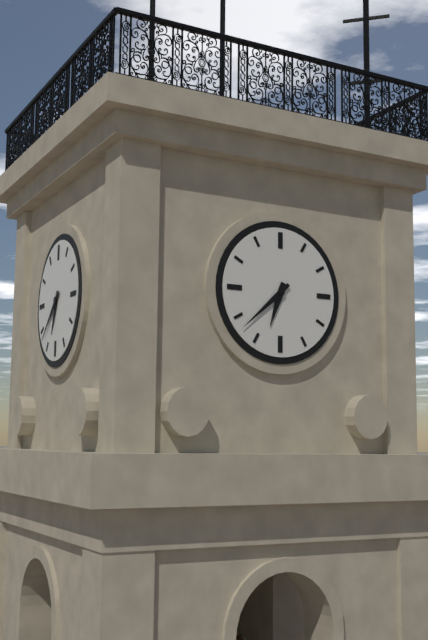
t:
6 h 38 min
